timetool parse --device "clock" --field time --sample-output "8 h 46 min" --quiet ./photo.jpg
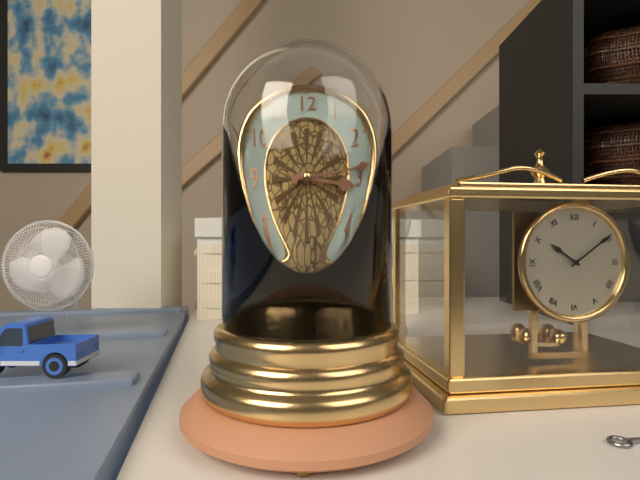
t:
3 h 14 min
